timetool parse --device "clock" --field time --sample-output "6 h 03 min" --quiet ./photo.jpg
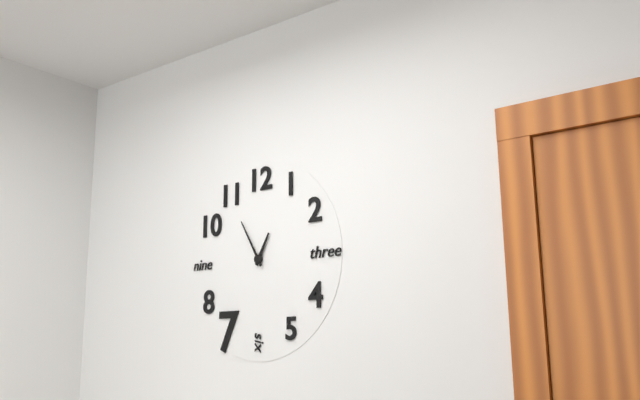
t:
12 h 55 min
